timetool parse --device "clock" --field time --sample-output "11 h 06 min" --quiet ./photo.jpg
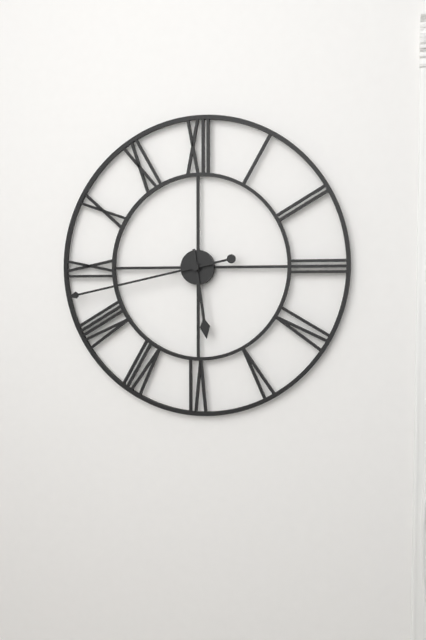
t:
5 h 43 min
